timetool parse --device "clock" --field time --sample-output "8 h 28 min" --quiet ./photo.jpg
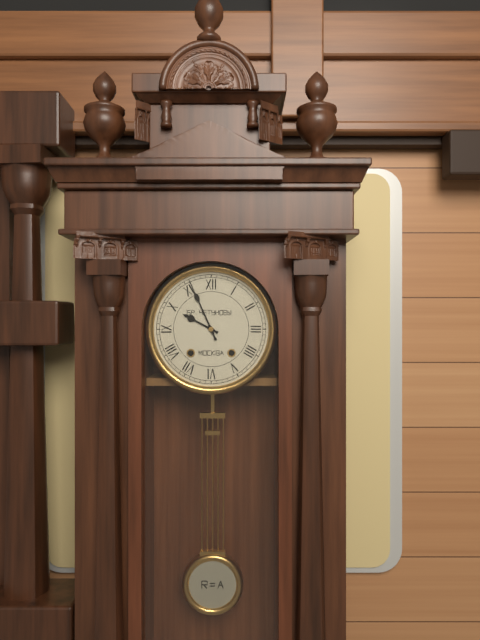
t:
9 h 56 min
